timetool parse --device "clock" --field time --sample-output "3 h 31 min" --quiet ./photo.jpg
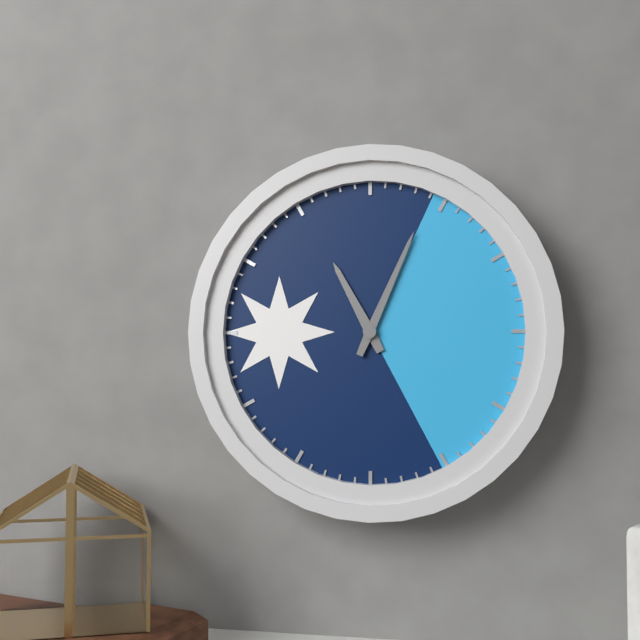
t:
11 h 04 min
